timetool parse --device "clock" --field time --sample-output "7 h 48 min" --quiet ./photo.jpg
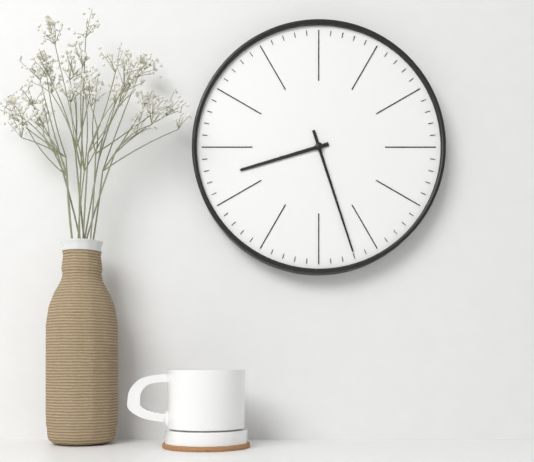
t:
8 h 27 min
